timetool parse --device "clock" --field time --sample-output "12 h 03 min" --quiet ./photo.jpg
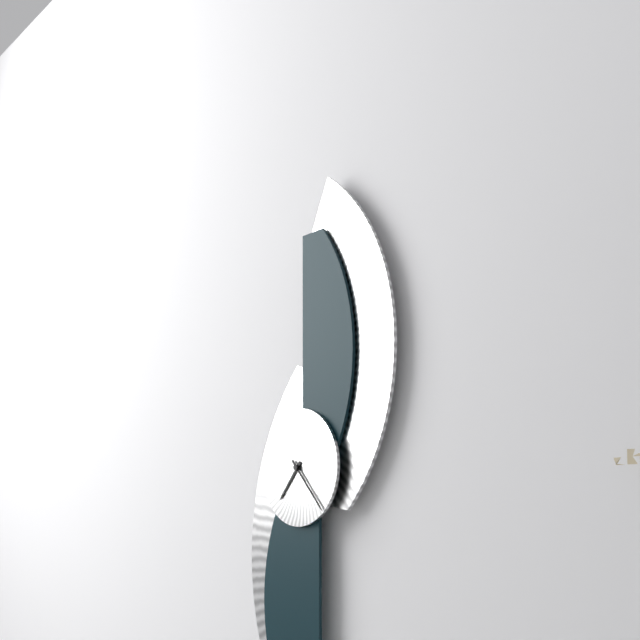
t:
7 h 23 min
